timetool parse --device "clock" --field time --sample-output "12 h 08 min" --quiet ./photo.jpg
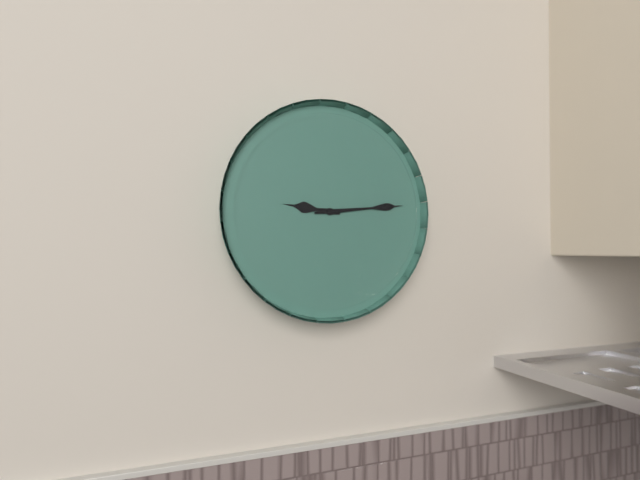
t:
9 h 14 min
